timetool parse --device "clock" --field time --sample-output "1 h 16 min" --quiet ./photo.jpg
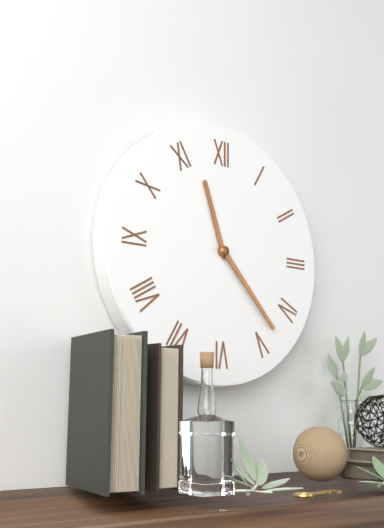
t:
11 h 23 min
